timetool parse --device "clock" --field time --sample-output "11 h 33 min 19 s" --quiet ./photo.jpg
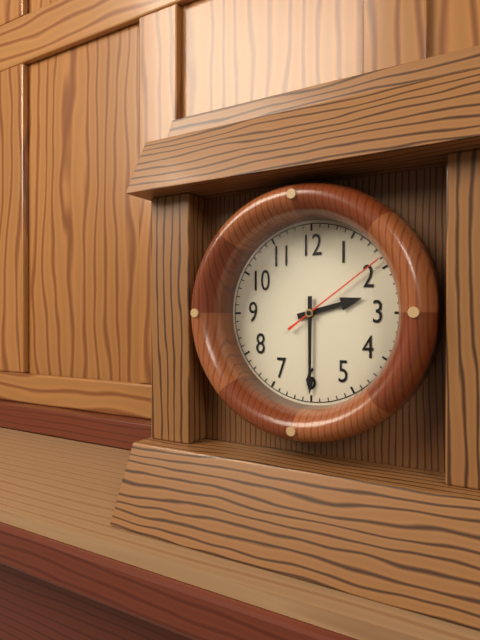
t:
2 h 30 min 09 s
